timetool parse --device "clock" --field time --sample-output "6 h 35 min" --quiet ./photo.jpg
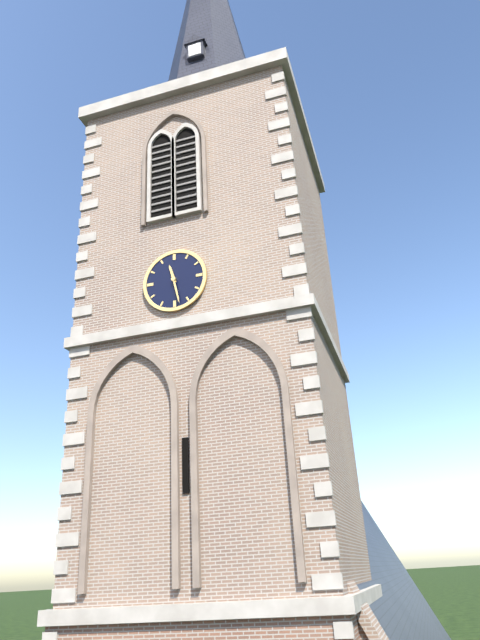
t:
11 h 28 min
